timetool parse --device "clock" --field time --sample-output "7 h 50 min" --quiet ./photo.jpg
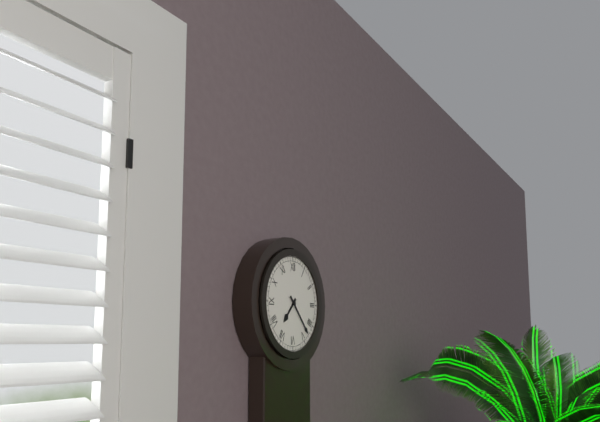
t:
7 h 23 min
